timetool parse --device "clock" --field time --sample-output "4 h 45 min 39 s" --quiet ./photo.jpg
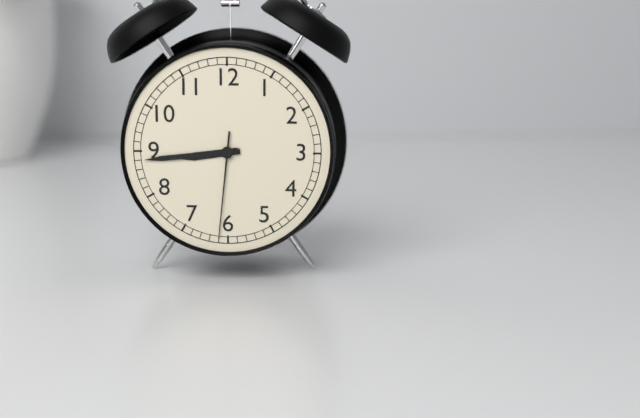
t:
8 h 44 min 31 s
